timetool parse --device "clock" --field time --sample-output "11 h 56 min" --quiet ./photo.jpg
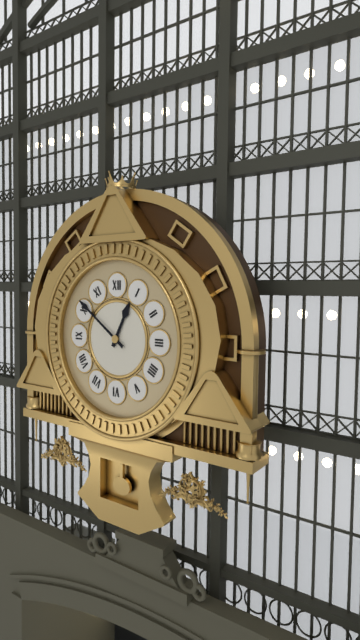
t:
12 h 51 min
